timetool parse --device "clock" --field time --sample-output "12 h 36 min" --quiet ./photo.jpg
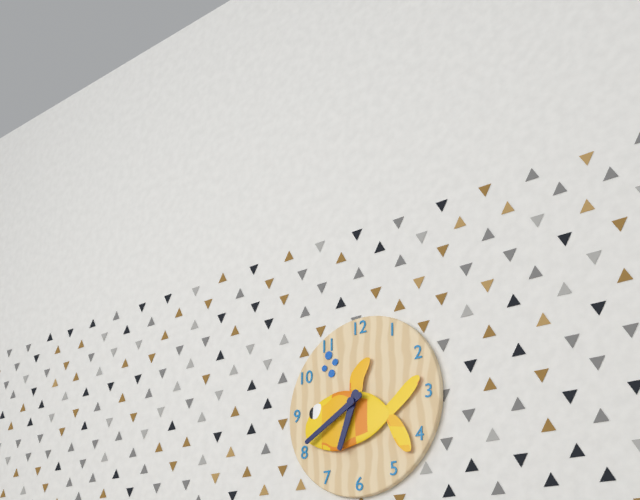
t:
6 h 40 min
